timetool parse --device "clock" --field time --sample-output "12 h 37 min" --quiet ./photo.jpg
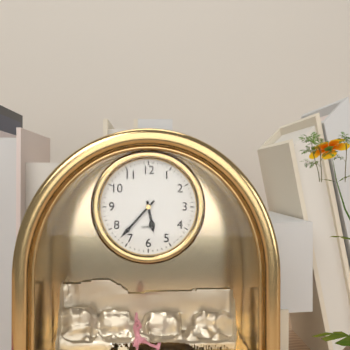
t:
5 h 37 min
